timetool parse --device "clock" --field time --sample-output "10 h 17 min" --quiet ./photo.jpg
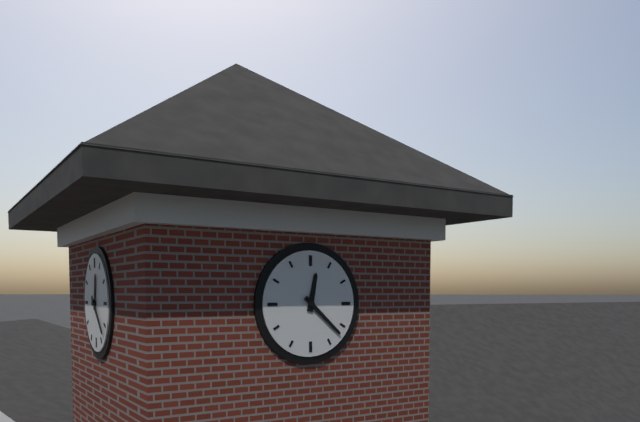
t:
12 h 22 min
